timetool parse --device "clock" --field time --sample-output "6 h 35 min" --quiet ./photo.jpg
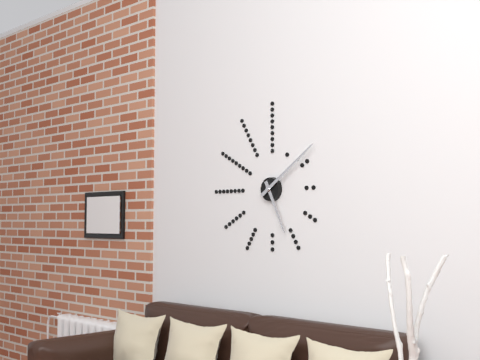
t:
5 h 09 min
